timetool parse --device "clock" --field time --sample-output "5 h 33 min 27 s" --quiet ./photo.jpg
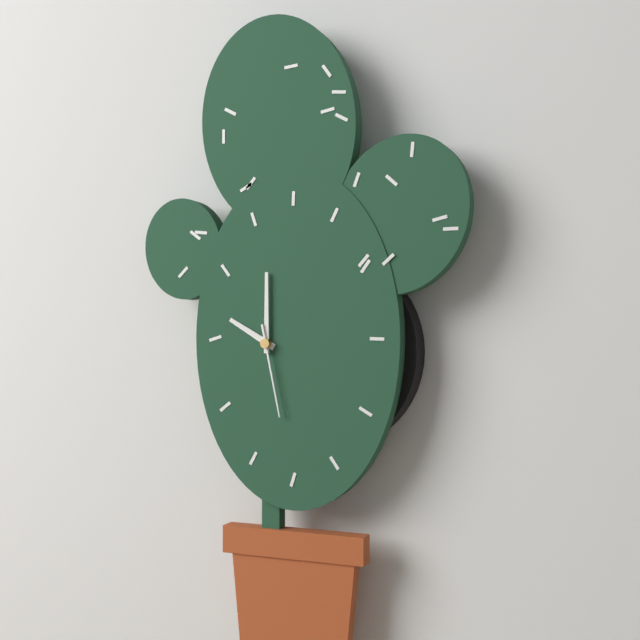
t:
10 h 00 min 28 s
